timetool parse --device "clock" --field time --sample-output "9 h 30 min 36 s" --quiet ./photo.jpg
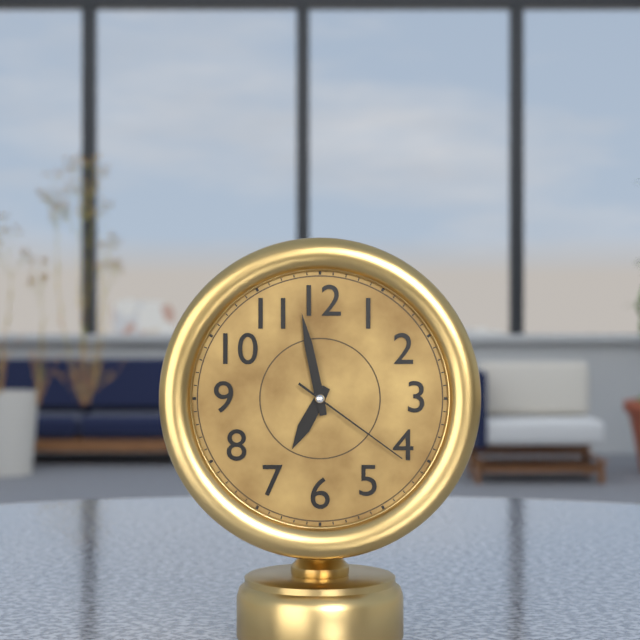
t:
6 h 58 min 21 s
